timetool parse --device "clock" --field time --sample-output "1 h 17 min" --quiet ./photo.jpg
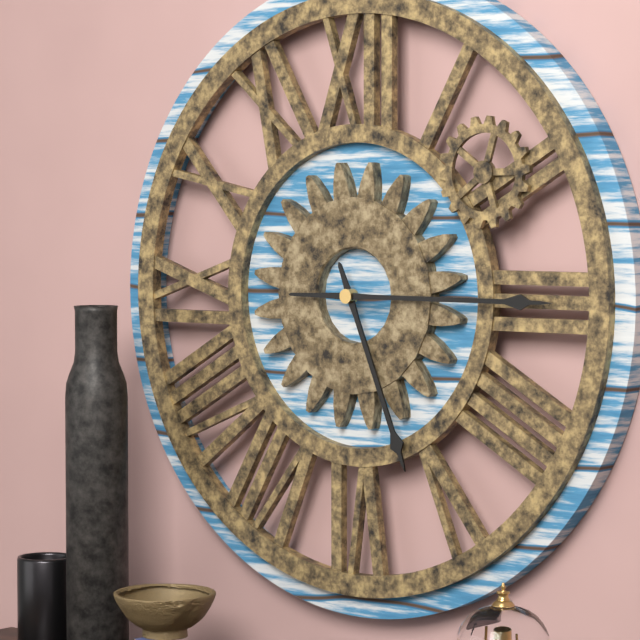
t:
5 h 15 min
